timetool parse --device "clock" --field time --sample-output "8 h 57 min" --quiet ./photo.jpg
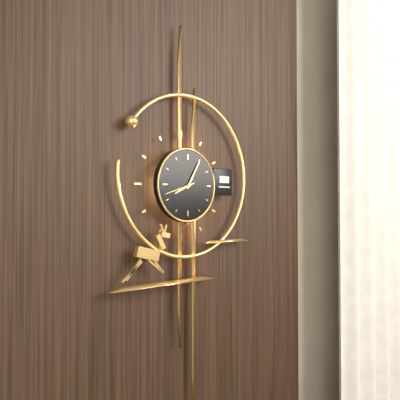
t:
8 h 05 min
